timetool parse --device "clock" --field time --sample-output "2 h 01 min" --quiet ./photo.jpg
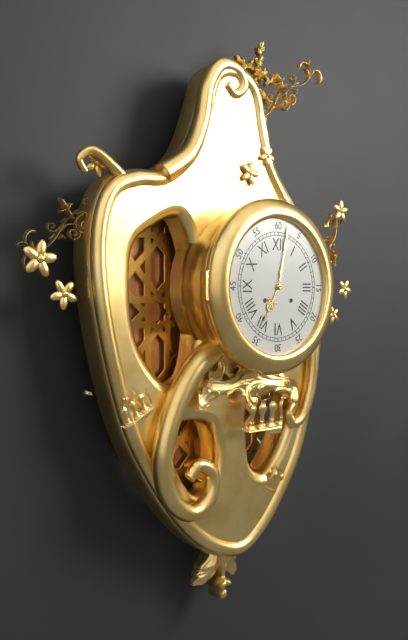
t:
7 h 02 min
